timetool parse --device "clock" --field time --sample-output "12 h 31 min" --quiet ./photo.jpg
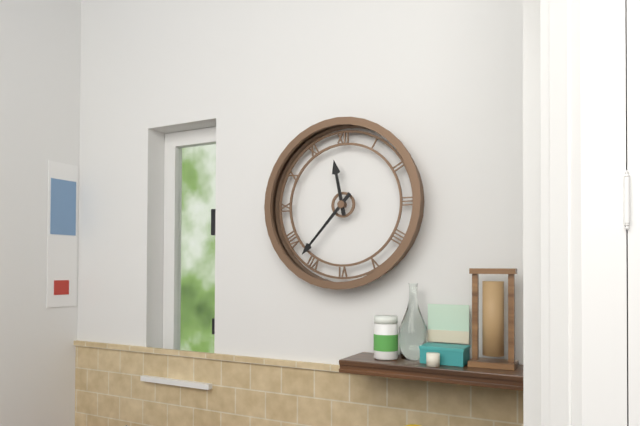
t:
11 h 37 min
